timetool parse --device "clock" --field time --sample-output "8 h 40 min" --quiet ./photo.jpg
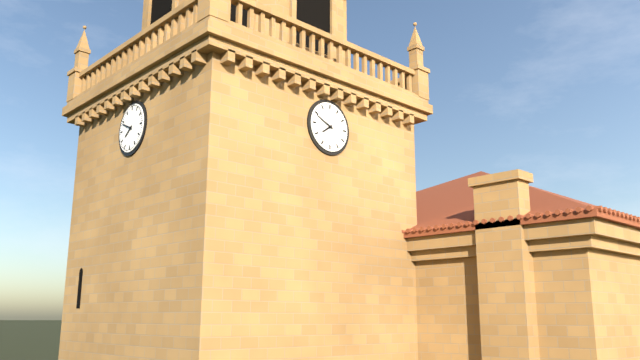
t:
7 h 49 min
